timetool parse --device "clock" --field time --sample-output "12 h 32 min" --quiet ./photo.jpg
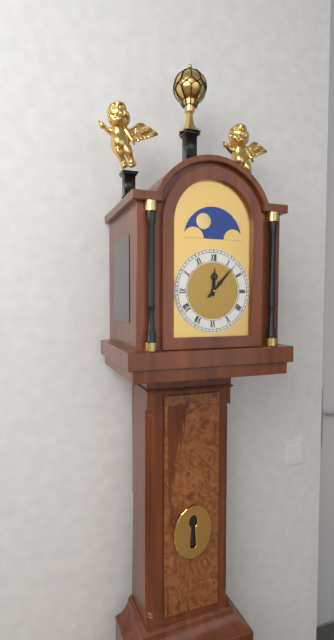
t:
12 h 07 min
